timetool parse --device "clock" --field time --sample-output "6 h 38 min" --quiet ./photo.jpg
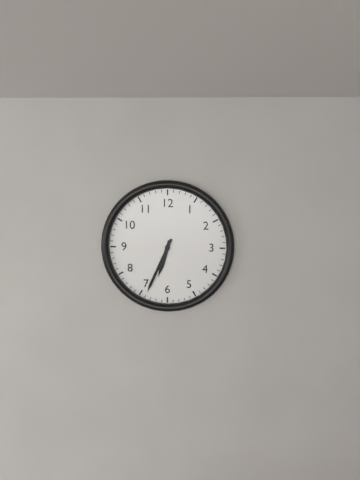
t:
6 h 34 min
